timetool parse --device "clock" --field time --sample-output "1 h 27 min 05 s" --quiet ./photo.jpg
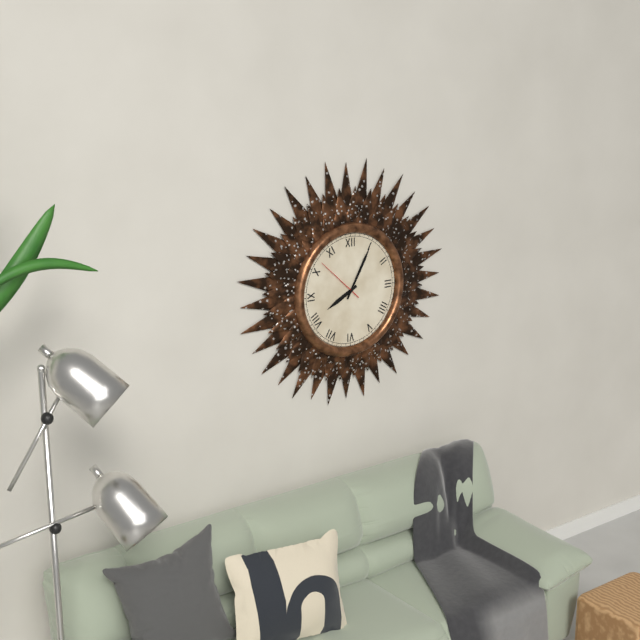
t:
8 h 05 min 52 s
